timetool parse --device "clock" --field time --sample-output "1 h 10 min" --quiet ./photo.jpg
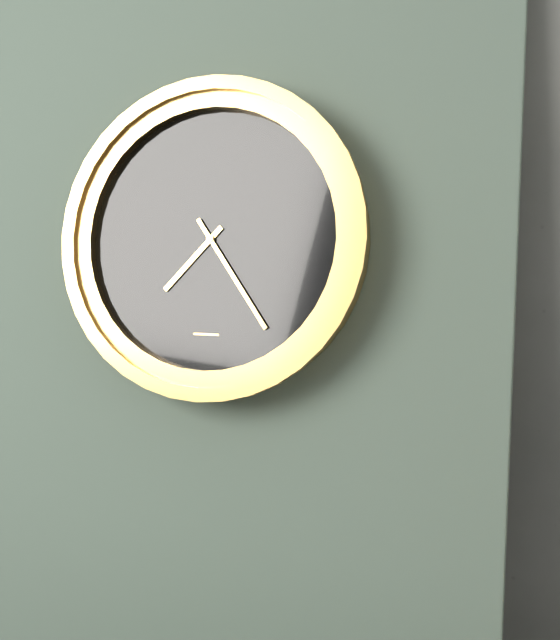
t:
7 h 24 min
